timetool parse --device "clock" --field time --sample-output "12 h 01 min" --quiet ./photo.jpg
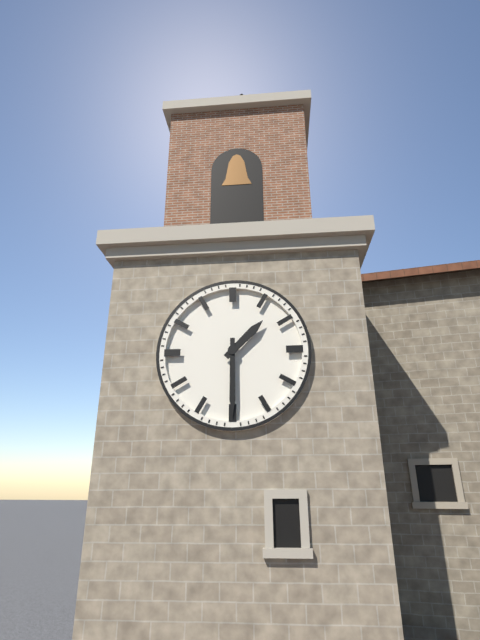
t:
1 h 30 min
